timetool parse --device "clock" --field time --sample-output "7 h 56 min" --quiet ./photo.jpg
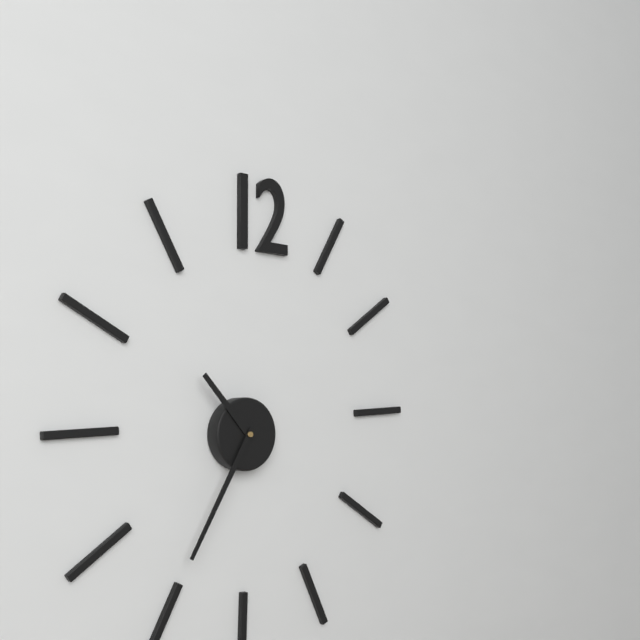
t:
10 h 35 min
